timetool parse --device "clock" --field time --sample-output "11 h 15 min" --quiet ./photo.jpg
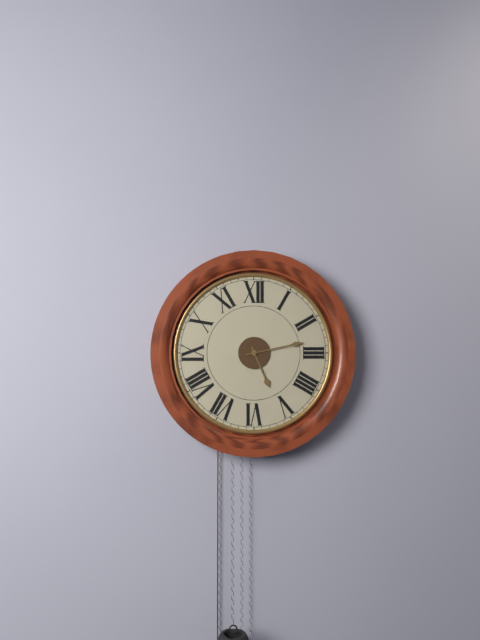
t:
5 h 13 min
